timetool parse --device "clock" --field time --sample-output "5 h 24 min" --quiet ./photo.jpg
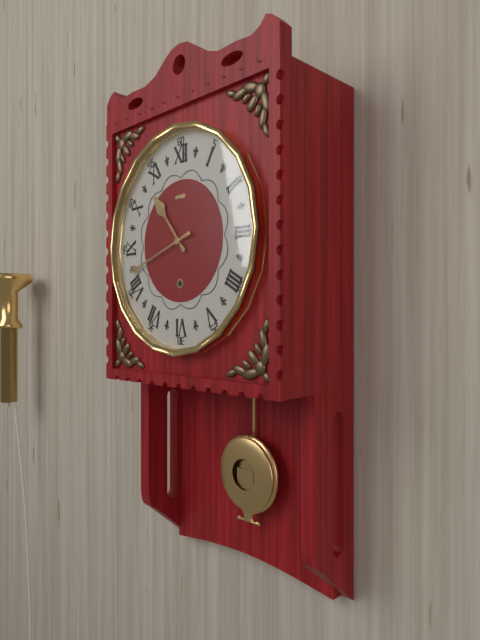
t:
10 h 42 min
